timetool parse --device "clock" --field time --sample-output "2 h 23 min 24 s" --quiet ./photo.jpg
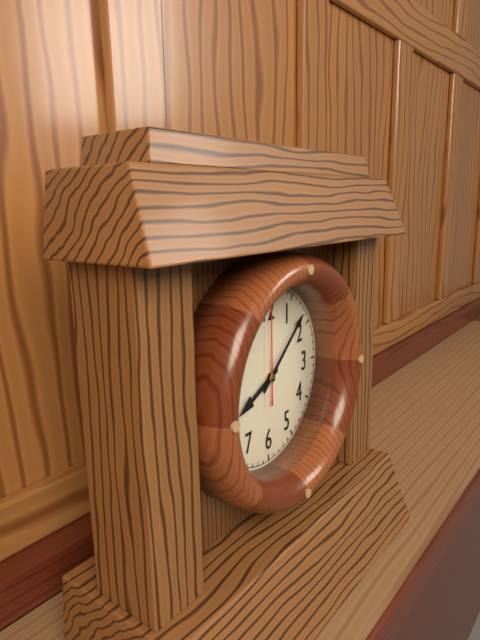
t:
8 h 08 min 00 s
